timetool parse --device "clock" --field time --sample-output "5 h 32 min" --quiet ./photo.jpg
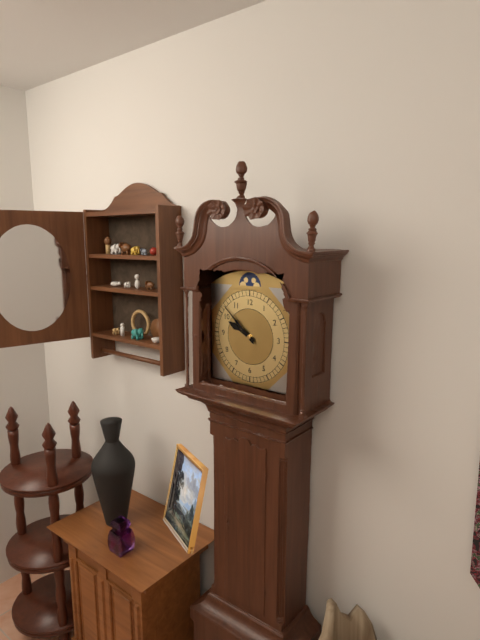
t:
9 h 52 min
